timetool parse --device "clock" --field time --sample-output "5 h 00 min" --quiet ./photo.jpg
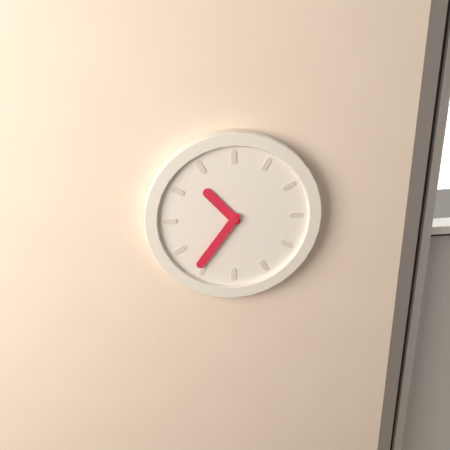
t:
10 h 36 min
